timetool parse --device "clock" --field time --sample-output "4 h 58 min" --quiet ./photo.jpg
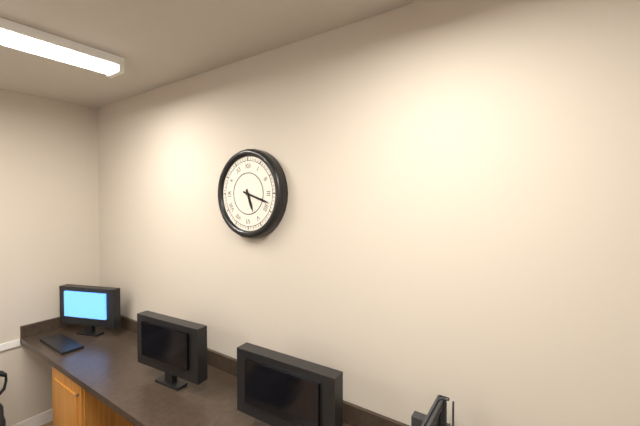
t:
5 h 18 min
